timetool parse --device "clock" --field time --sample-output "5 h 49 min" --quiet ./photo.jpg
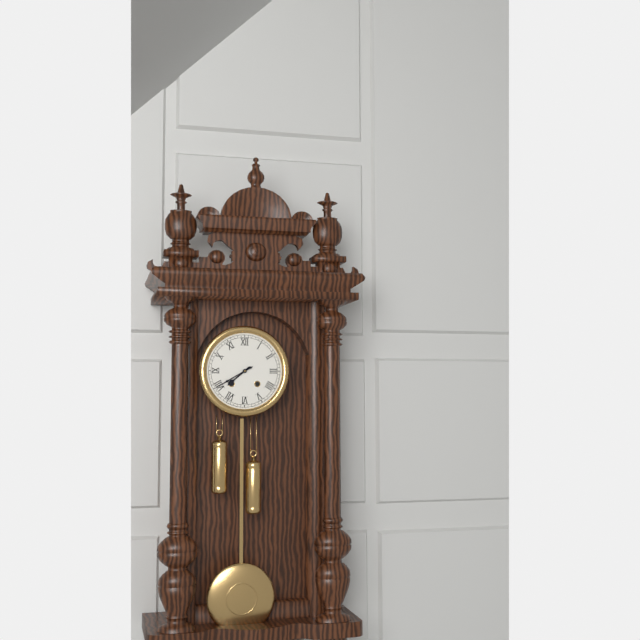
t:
7 h 40 min
